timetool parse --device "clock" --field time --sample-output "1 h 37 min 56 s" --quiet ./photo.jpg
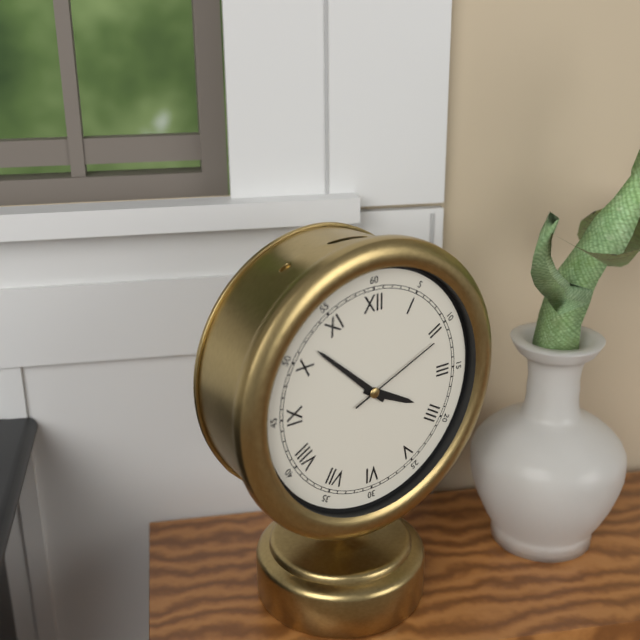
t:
3 h 52 min 11 s
